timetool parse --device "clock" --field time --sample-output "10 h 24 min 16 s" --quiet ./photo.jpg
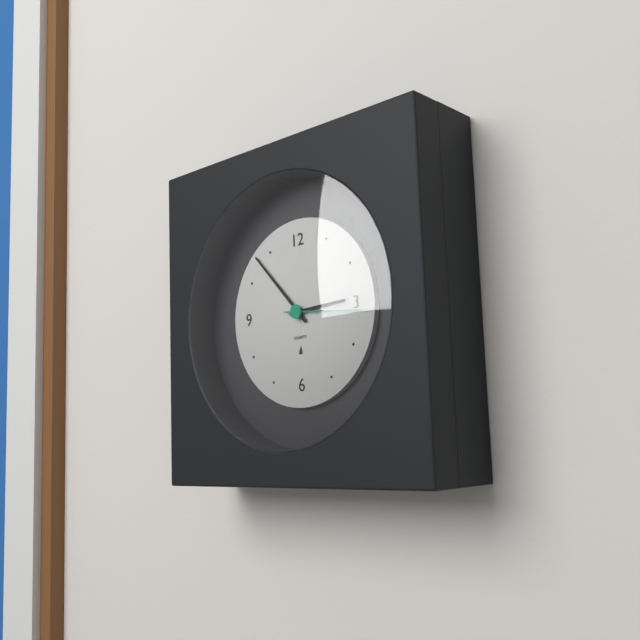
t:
2 h 53 min 16 s
